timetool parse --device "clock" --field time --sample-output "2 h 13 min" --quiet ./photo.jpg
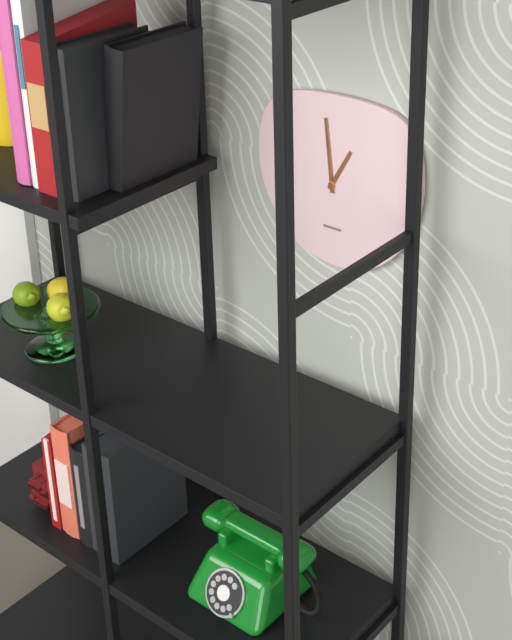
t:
12 h 59 min
